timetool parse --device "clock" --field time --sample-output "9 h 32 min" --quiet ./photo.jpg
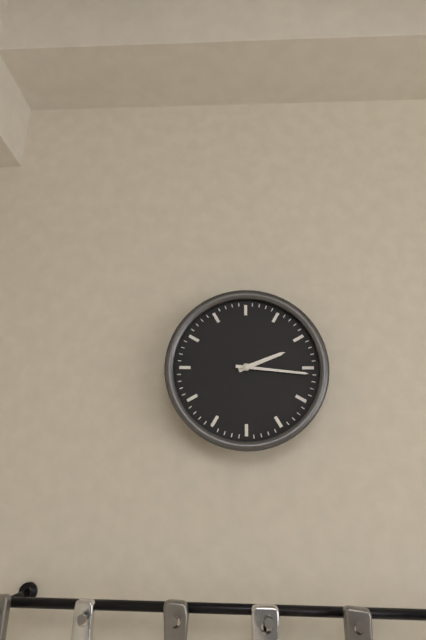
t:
2 h 16 min
